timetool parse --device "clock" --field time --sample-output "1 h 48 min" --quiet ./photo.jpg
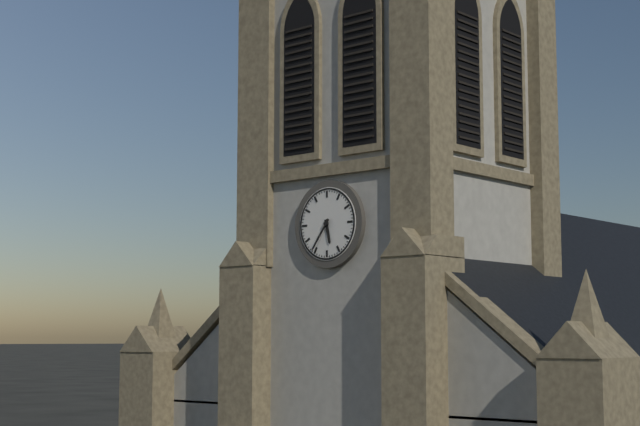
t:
5 h 36 min
